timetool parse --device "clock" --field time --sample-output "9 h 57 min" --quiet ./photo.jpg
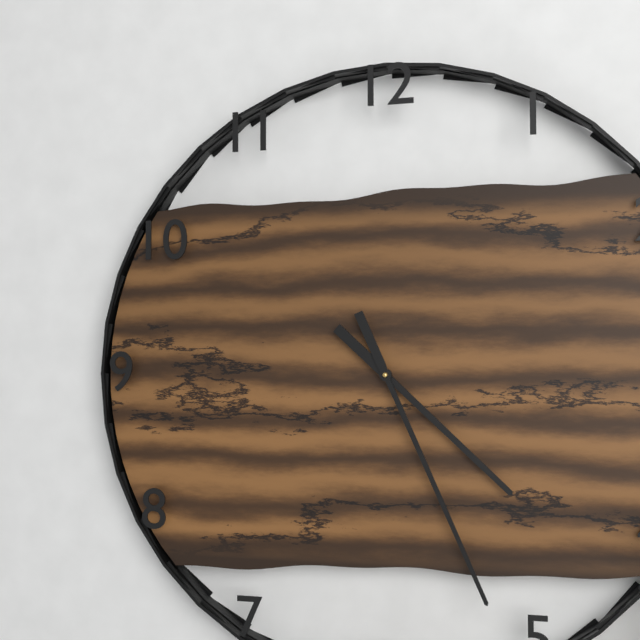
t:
4 h 26 min
